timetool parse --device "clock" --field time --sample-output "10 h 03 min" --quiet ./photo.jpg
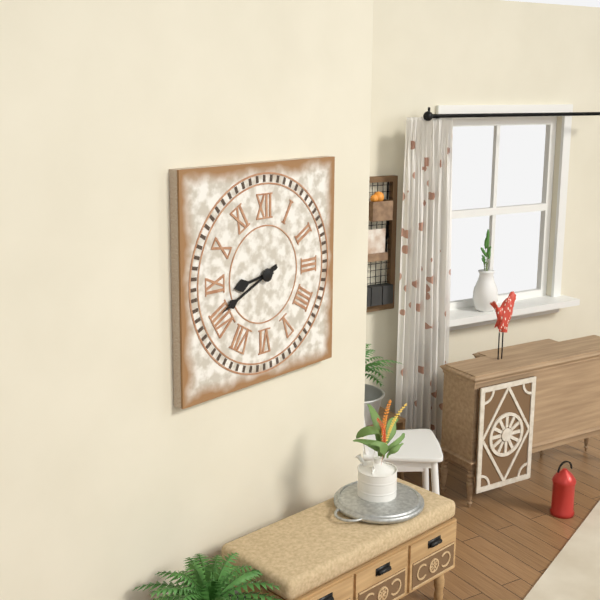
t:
8 h 41 min
